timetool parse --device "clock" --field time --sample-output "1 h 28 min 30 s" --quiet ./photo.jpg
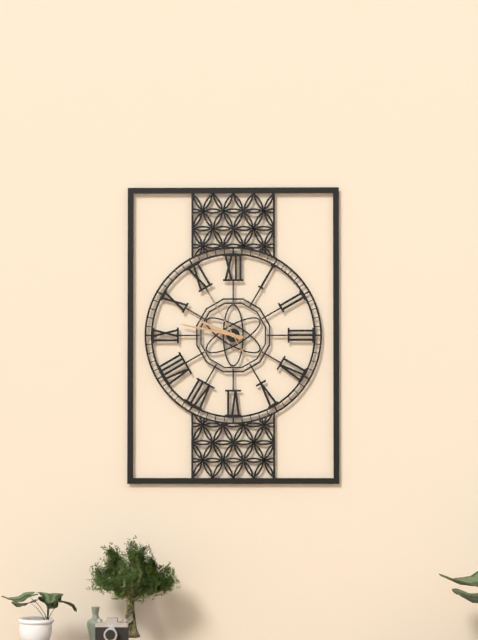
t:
9 h 47 min 55 s
